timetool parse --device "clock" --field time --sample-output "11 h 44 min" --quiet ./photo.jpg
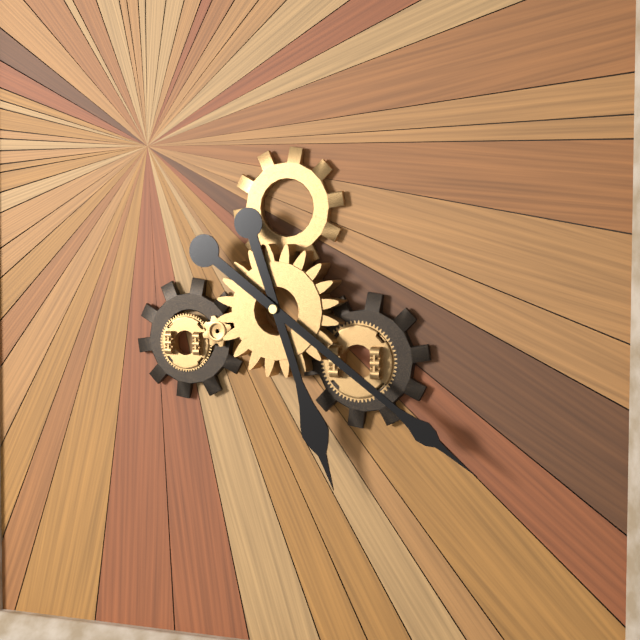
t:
5 h 21 min
